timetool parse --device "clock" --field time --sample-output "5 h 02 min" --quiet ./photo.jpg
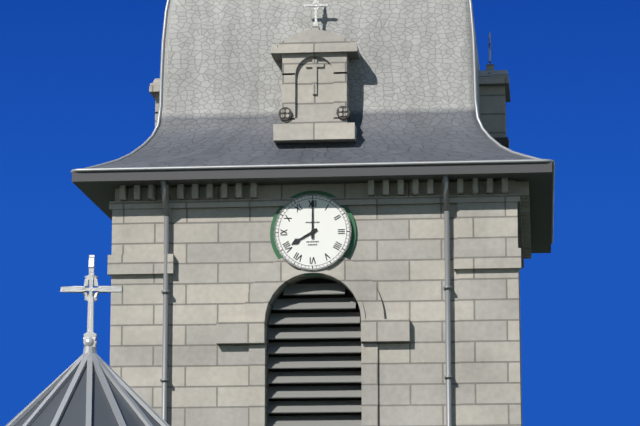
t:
8 h 00 min
